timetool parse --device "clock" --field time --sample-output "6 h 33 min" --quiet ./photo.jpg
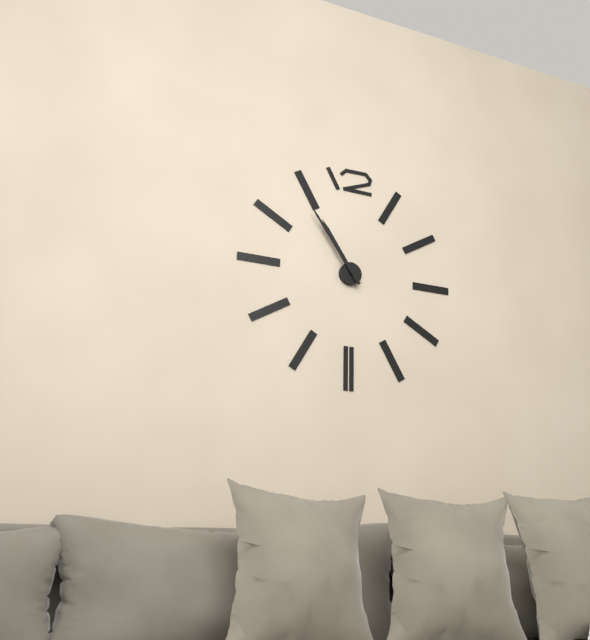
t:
10 h 54 min
